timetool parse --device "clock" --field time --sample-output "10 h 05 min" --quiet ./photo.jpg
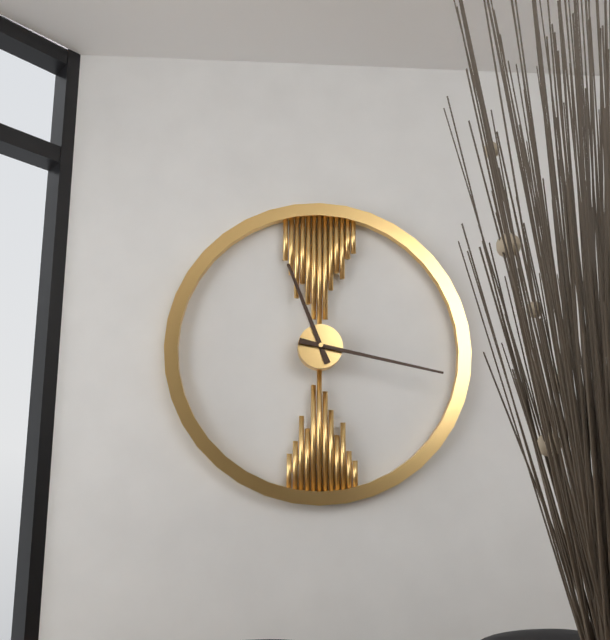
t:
11 h 17 min
